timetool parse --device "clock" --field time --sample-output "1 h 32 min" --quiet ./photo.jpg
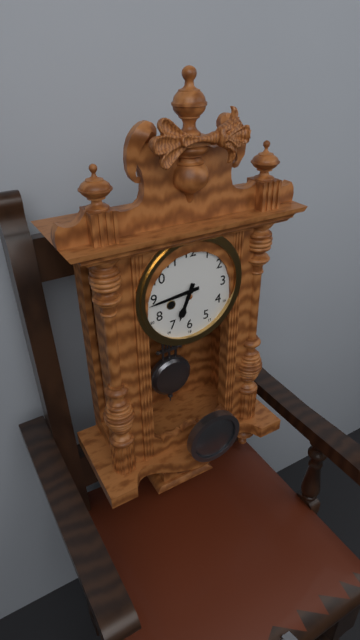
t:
6 h 44 min
